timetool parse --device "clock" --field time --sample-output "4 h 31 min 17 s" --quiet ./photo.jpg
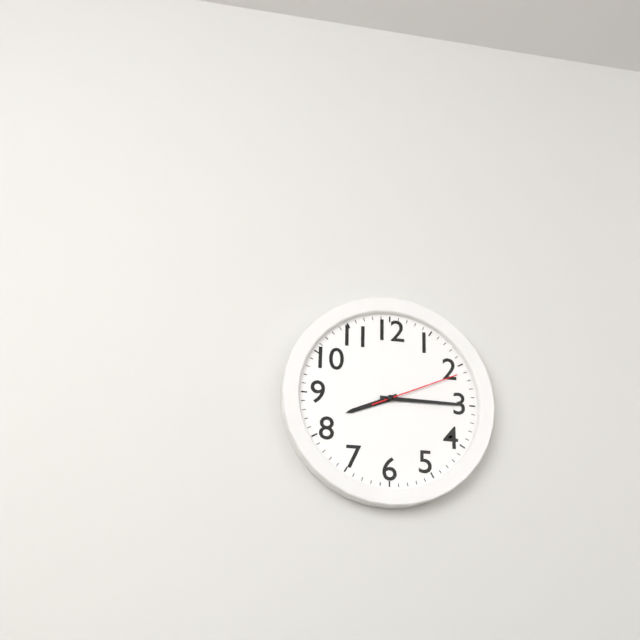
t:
8 h 15 min 11 s
